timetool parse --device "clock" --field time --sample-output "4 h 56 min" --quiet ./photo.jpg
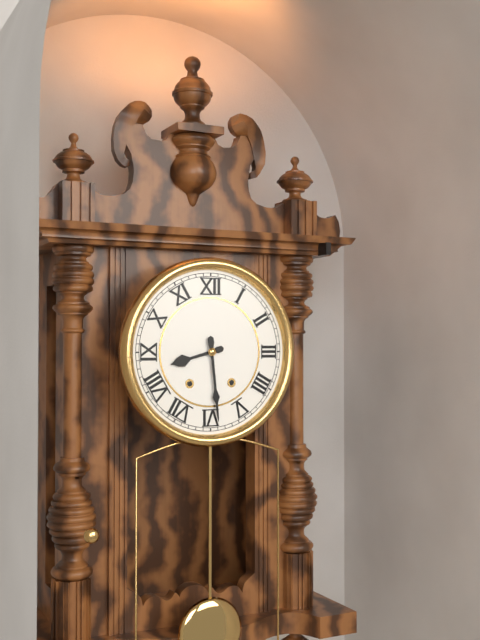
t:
8 h 29 min
